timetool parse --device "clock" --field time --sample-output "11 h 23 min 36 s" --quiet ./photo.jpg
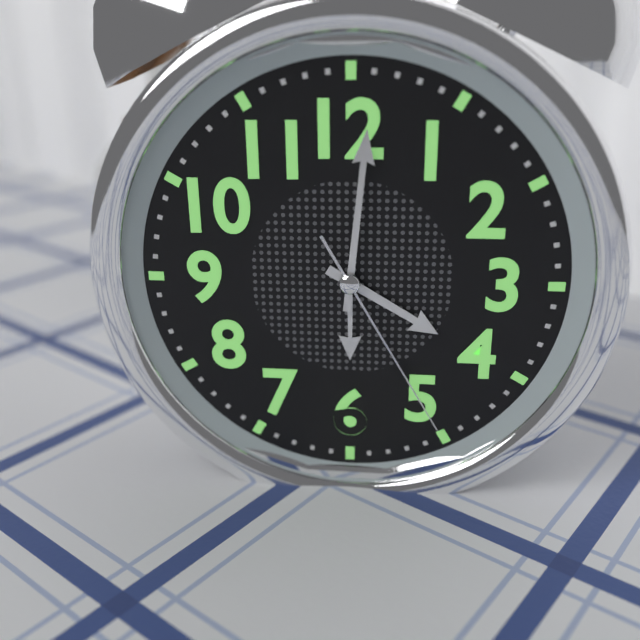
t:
4 h 01 min 25 s
